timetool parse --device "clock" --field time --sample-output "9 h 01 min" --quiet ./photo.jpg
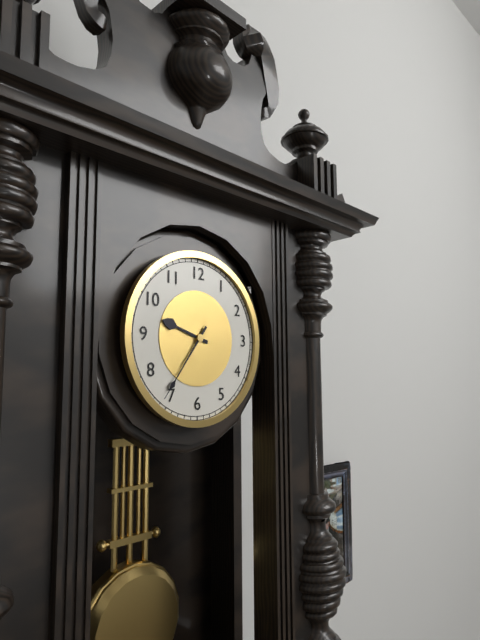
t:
9 h 36 min
